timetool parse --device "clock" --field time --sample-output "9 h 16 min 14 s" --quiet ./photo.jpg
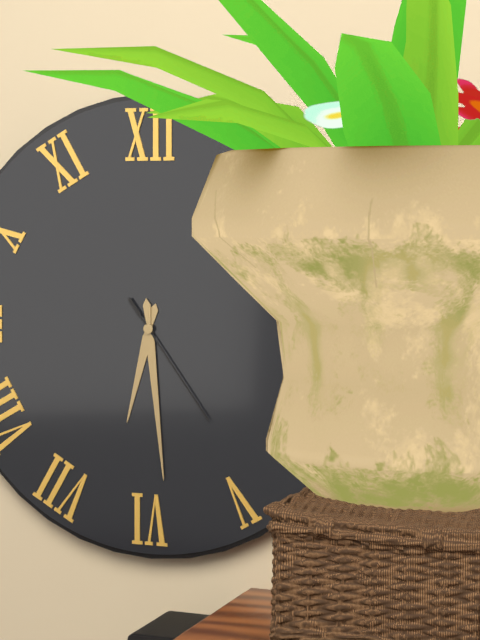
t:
6 h 29 min 24 s
